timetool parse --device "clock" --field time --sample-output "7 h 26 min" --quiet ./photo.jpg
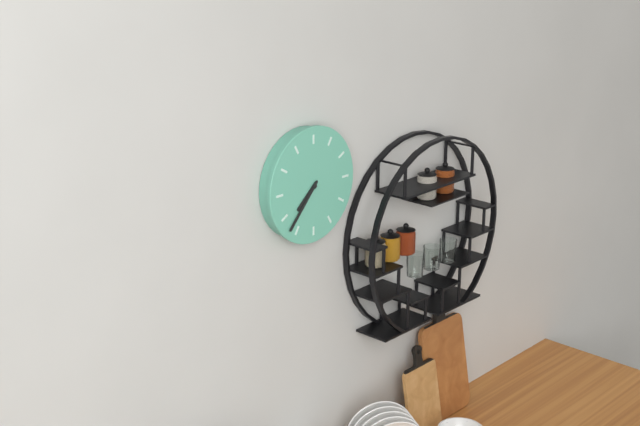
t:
7 h 37 min
